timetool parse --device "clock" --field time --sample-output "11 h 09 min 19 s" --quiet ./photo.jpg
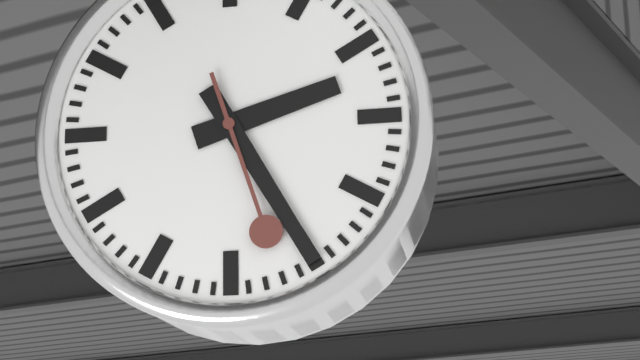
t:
2 h 25 min 27 s
